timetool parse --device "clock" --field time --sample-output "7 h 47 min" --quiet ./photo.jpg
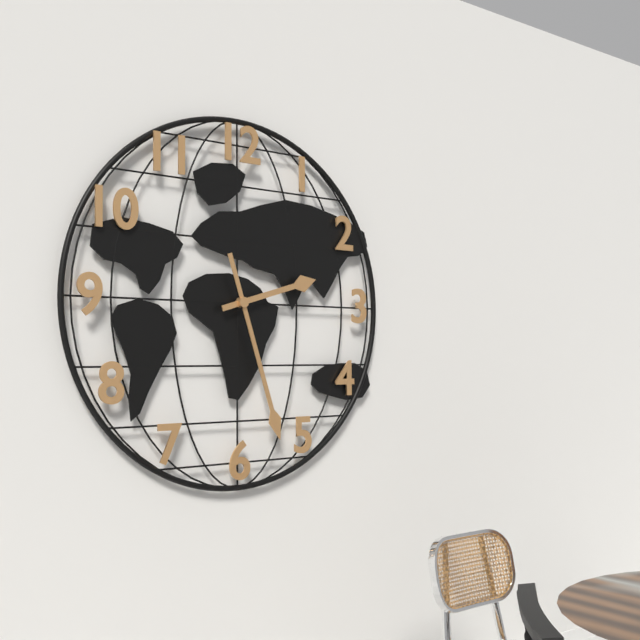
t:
2 h 27 min
